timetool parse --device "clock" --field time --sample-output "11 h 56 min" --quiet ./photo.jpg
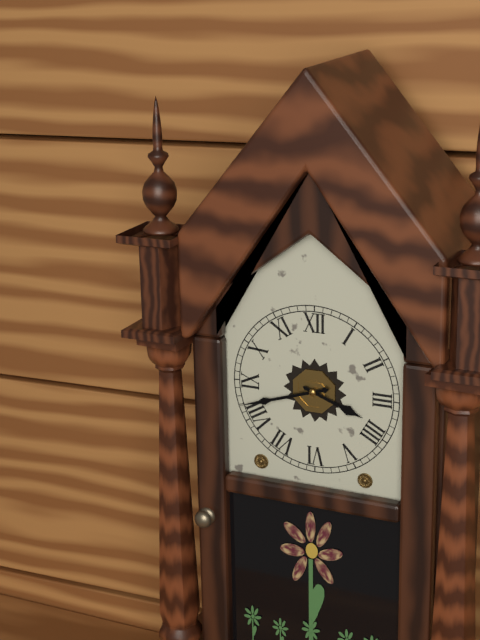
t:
3 h 42 min
